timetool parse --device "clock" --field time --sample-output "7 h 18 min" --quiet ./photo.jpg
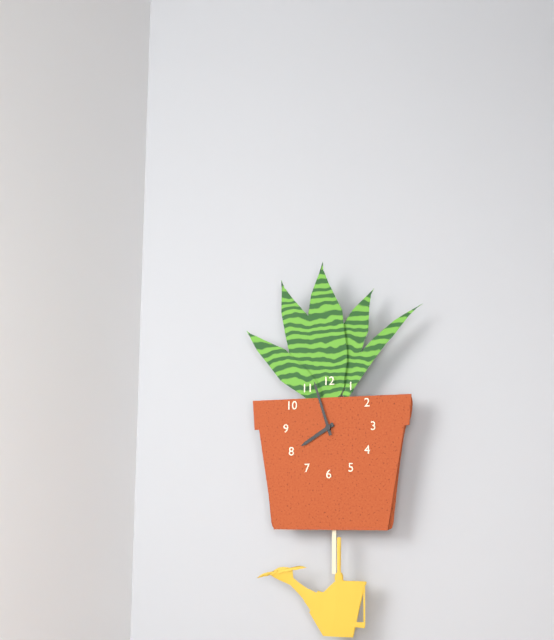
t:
7 h 57 min
